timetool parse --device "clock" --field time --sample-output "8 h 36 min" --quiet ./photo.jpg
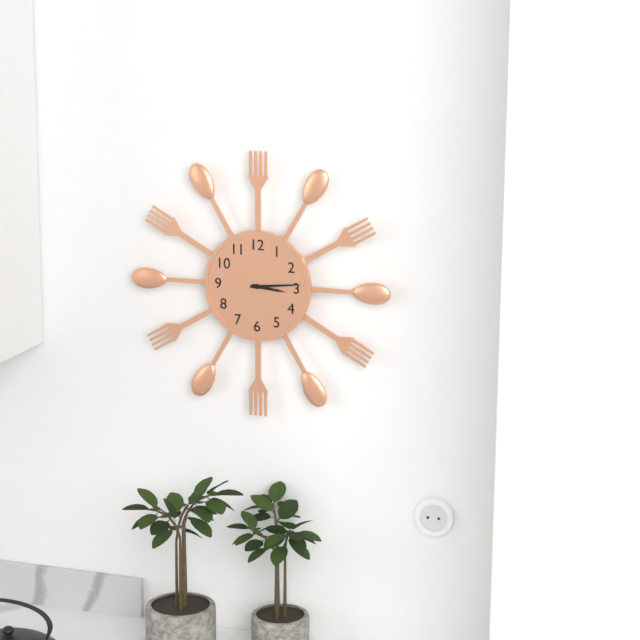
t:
3 h 14 min
